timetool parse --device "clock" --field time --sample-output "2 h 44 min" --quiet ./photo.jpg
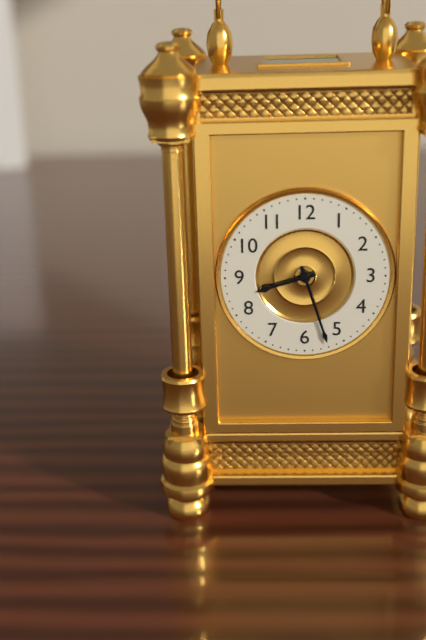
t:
8 h 27 min
